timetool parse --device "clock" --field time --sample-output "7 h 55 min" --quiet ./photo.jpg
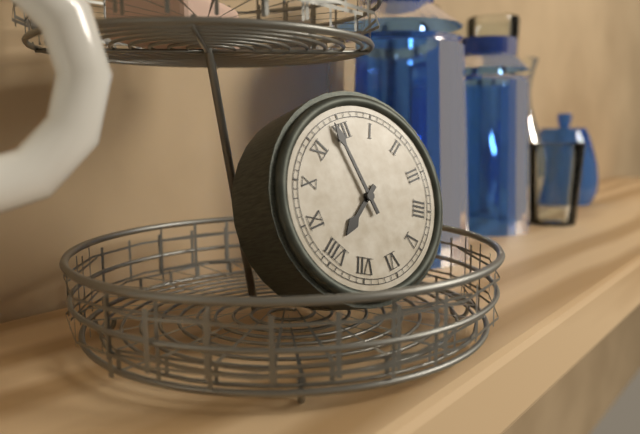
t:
7 h 59 min
